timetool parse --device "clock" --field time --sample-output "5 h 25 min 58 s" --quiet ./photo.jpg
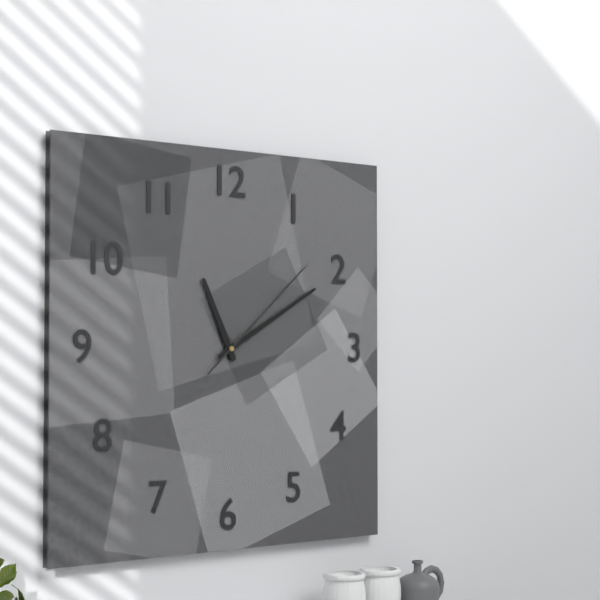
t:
11 h 10 min 08 s
